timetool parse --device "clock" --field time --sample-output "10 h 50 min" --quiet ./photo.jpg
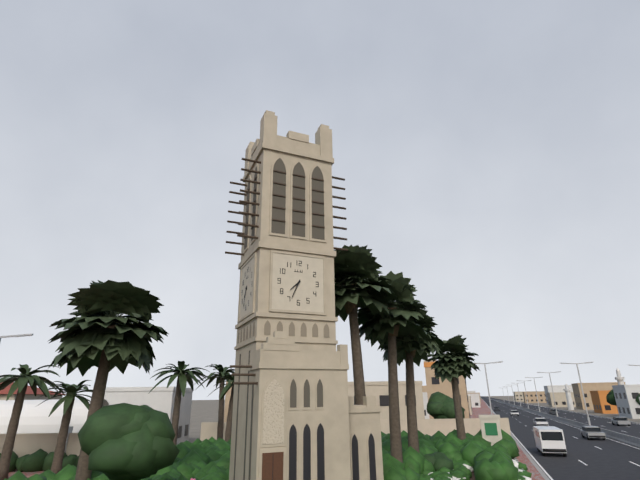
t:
7 h 34 min
